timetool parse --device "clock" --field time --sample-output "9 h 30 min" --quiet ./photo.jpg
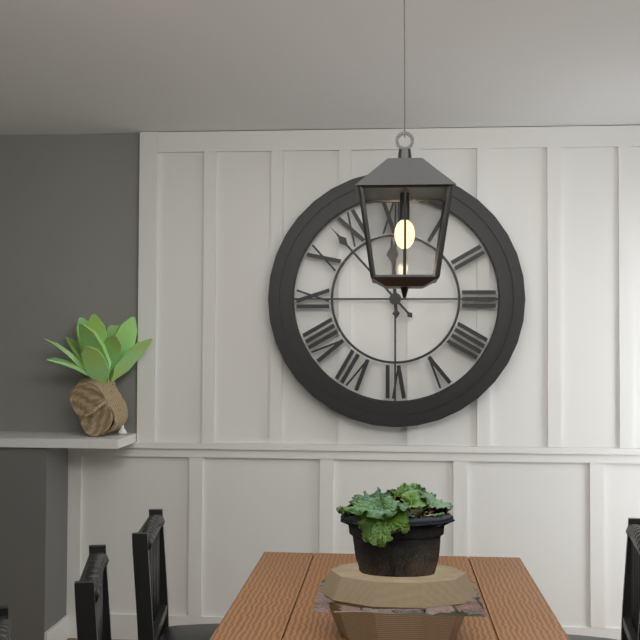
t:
11 h 53 min
